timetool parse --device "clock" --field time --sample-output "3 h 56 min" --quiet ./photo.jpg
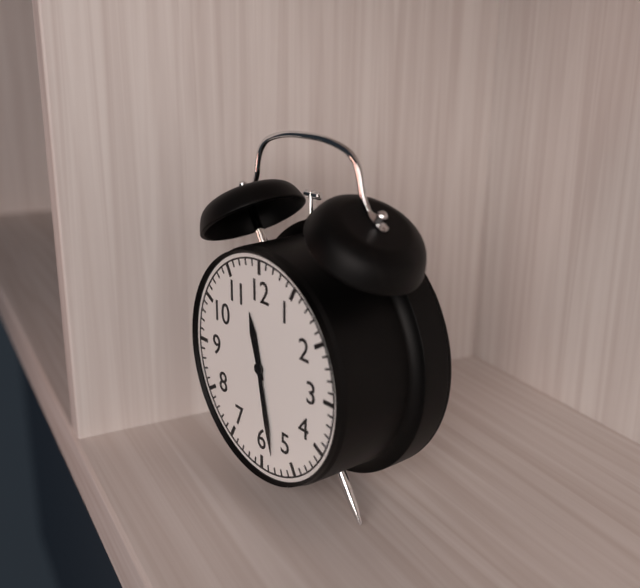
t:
11 h 28 min
